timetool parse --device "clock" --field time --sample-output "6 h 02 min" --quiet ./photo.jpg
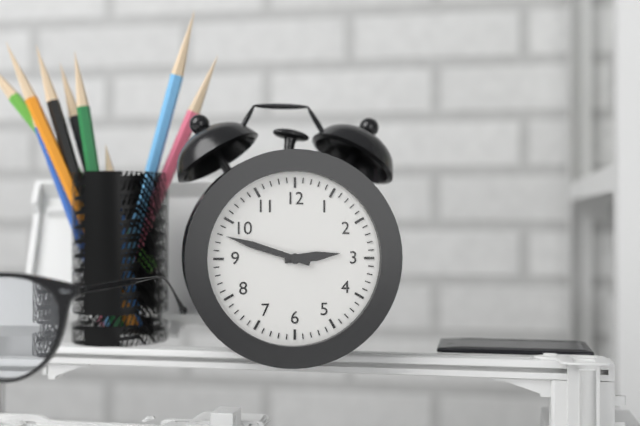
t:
2 h 48 min
